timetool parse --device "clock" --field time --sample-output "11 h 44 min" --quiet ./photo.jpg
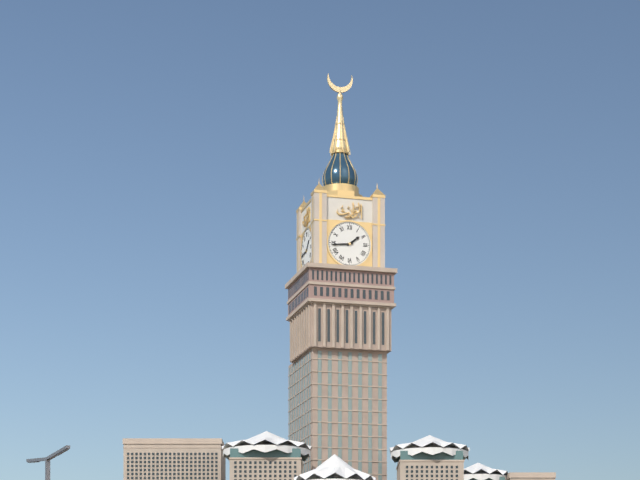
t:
1 h 44 min
